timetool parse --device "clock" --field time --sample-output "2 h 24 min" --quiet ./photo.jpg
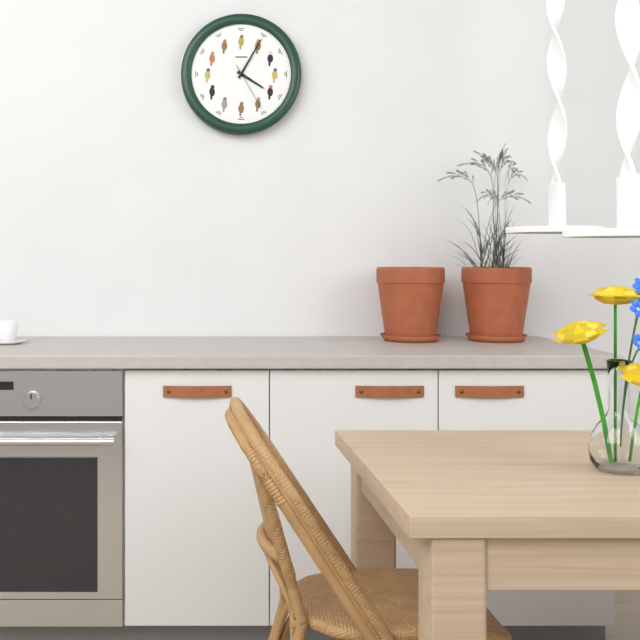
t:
4 h 05 min
